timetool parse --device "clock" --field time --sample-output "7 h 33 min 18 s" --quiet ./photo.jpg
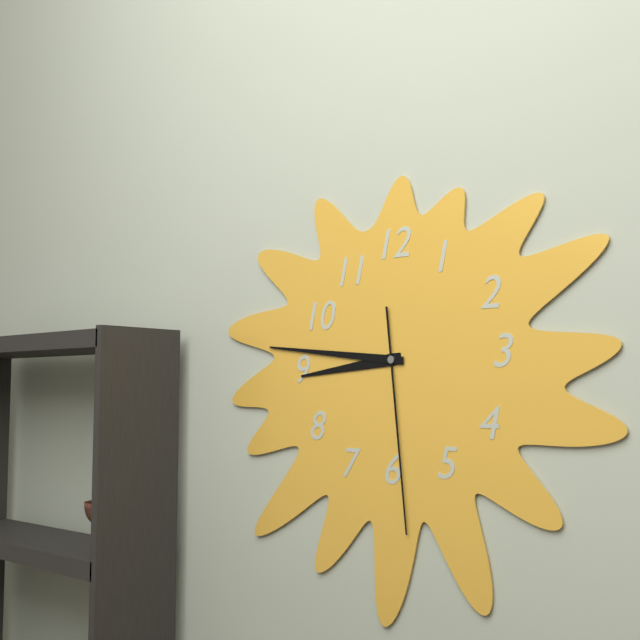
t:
8 h 46 min 29 s
